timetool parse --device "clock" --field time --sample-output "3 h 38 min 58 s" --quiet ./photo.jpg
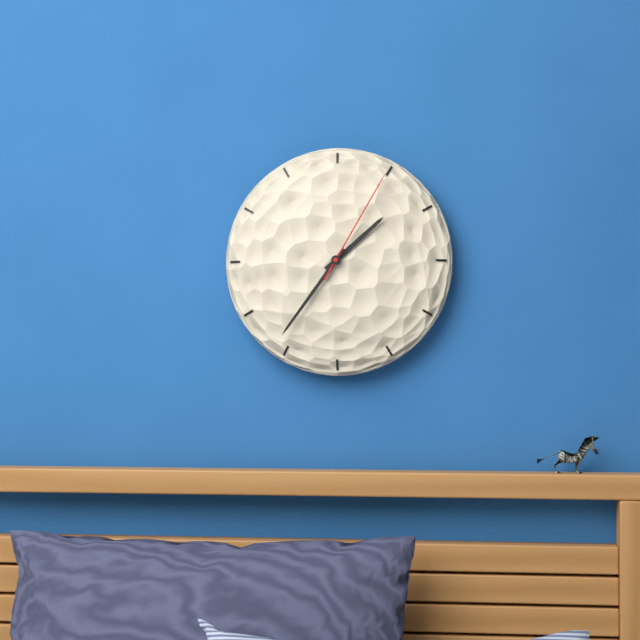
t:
1 h 36 min 05 s
